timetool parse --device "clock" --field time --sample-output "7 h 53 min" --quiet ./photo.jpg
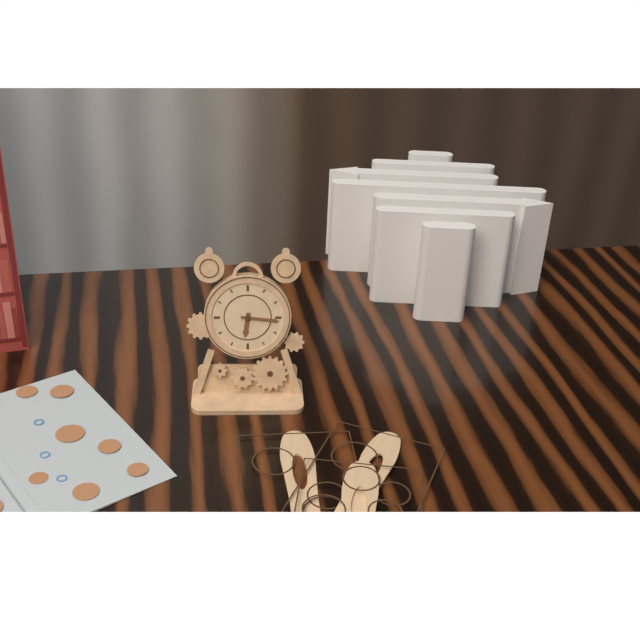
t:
6 h 16 min
